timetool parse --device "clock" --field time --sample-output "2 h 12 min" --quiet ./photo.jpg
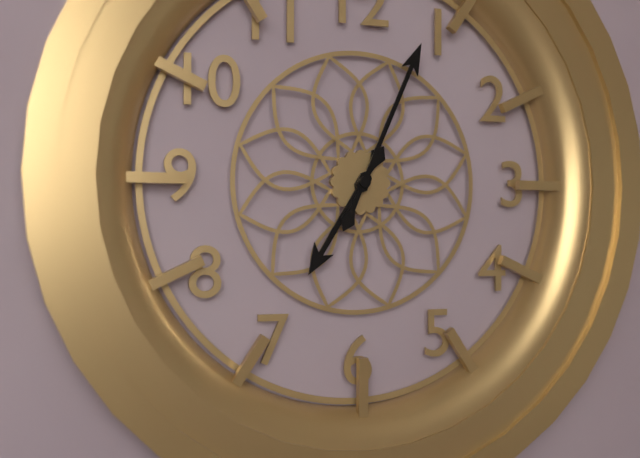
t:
7 h 04 min
